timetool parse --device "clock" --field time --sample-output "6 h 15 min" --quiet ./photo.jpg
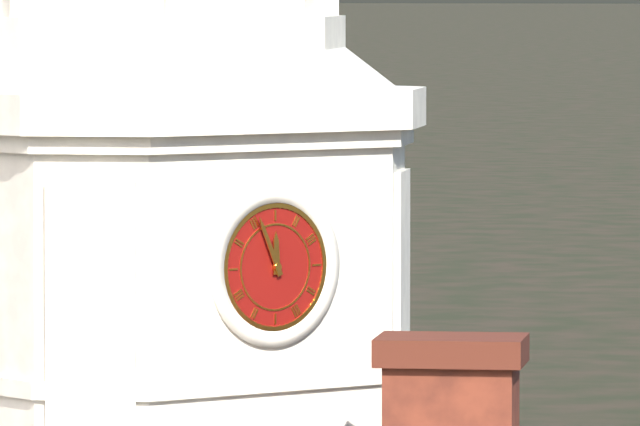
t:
11 h 56 min
